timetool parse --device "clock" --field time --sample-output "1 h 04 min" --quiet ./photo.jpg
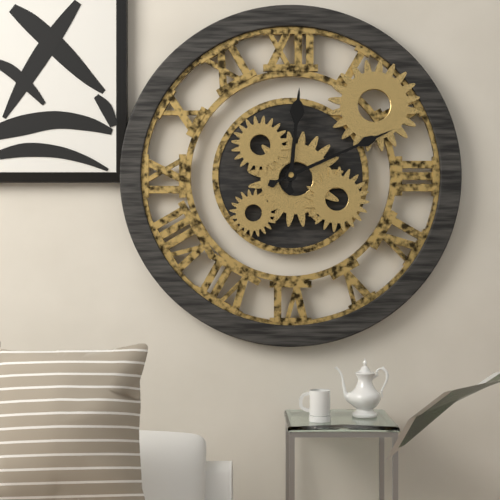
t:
12 h 11 min
